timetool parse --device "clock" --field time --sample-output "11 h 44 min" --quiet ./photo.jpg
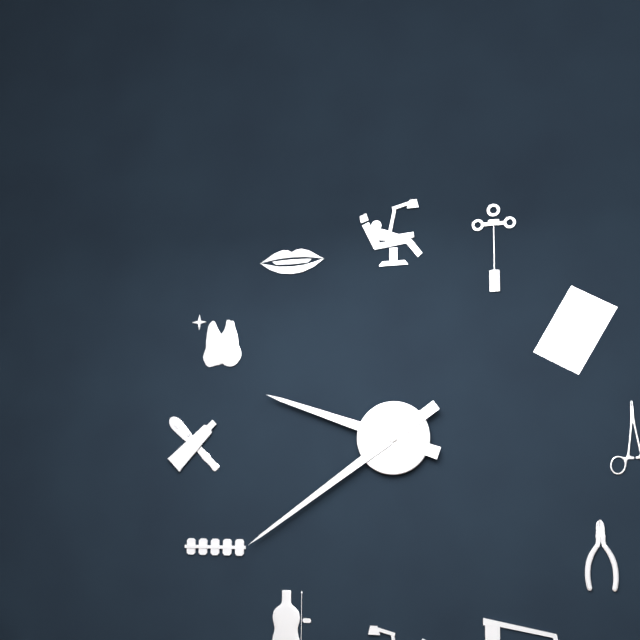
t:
9 h 39 min
